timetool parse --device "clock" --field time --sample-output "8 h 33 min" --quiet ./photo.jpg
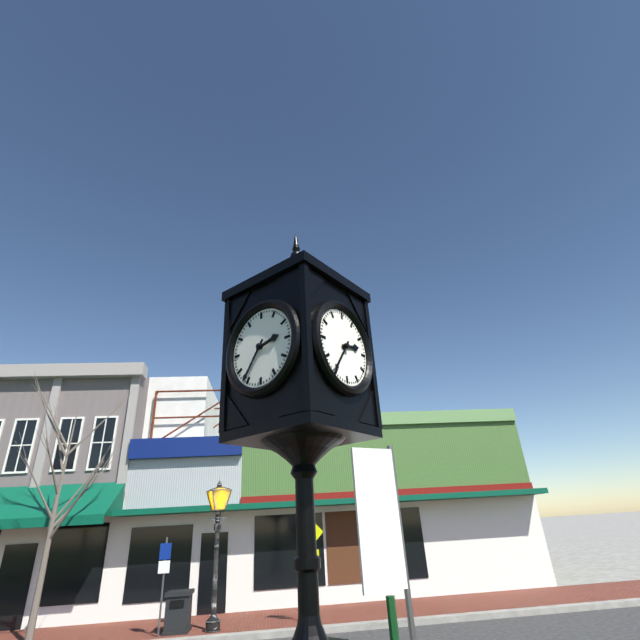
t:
2 h 36 min
